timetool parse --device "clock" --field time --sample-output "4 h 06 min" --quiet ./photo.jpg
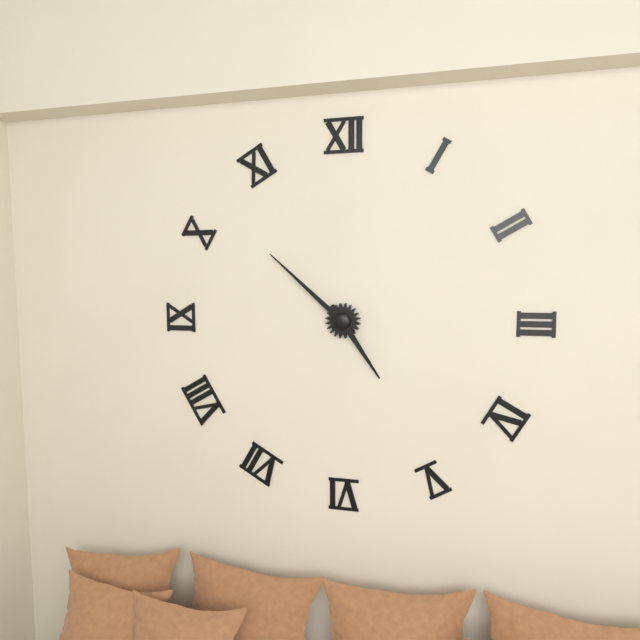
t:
4 h 52 min
